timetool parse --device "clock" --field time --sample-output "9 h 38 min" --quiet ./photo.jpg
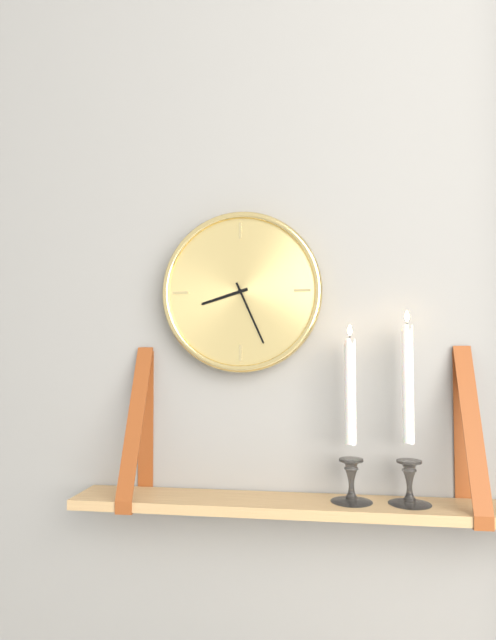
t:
8 h 26 min
